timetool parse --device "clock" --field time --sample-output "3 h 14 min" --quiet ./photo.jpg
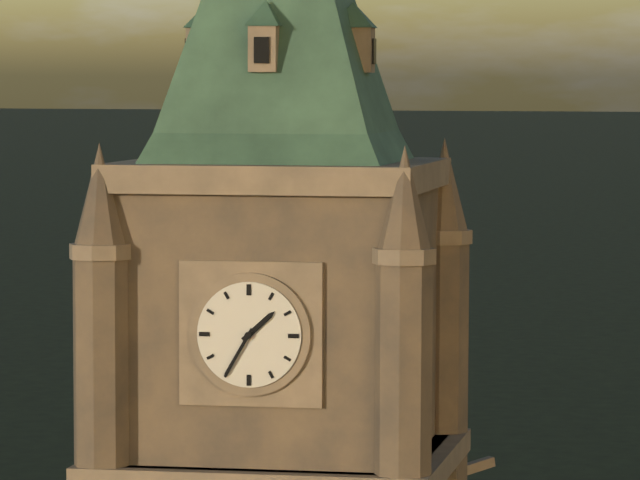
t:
1 h 35 min
